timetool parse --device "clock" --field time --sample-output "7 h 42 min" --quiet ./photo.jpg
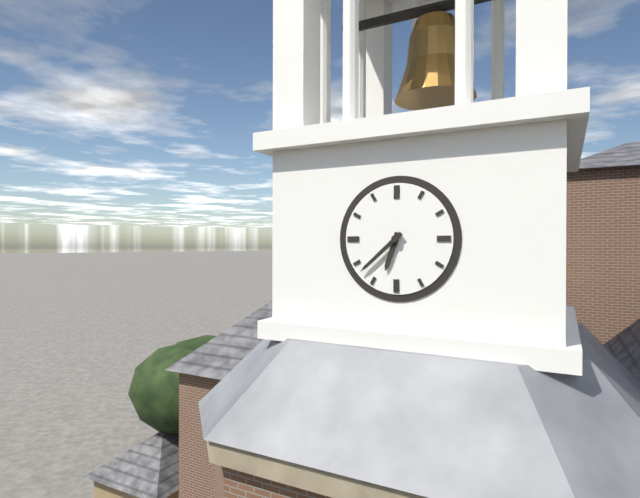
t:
6 h 38 min
